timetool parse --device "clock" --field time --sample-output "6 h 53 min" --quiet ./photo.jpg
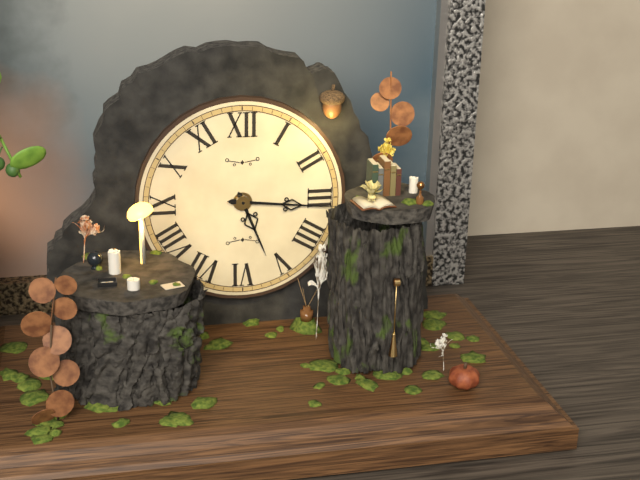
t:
5 h 16 min
